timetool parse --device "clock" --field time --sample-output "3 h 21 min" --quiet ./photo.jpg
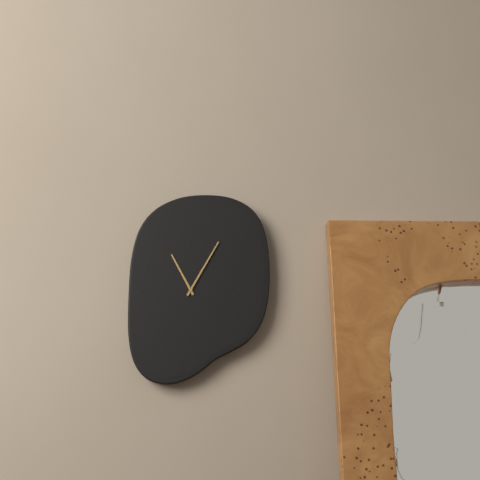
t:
11 h 05 min
